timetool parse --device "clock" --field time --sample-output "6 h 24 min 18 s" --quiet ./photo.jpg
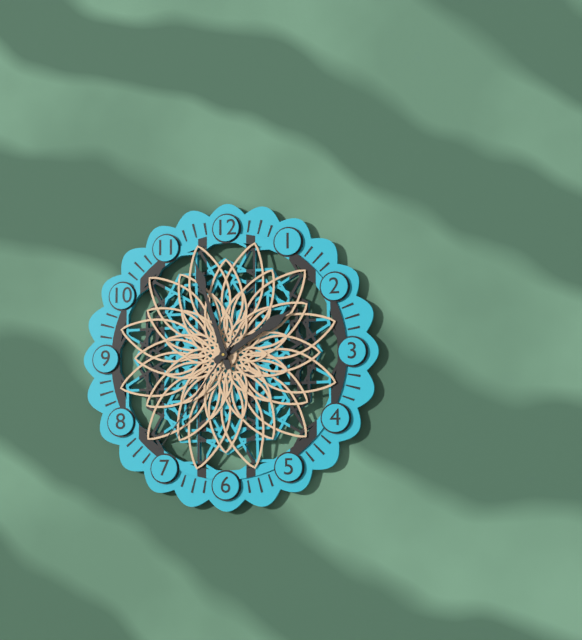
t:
1 h 57 min 36 s
